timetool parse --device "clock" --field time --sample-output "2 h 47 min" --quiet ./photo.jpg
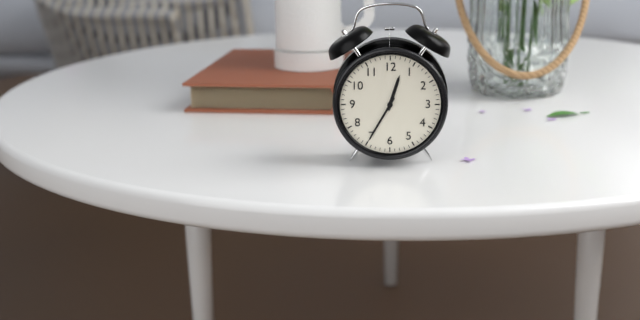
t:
12 h 35 min
